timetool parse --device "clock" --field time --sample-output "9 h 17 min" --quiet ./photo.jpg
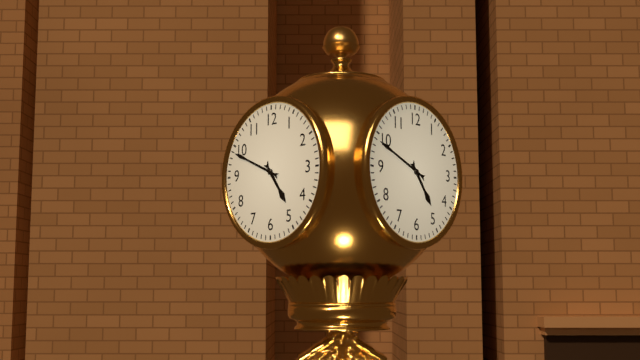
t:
4 h 49 min
